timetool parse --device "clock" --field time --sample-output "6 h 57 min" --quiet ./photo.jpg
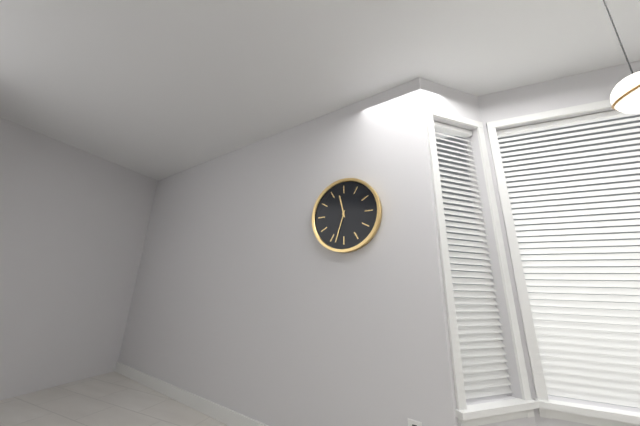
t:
11 h 33 min
